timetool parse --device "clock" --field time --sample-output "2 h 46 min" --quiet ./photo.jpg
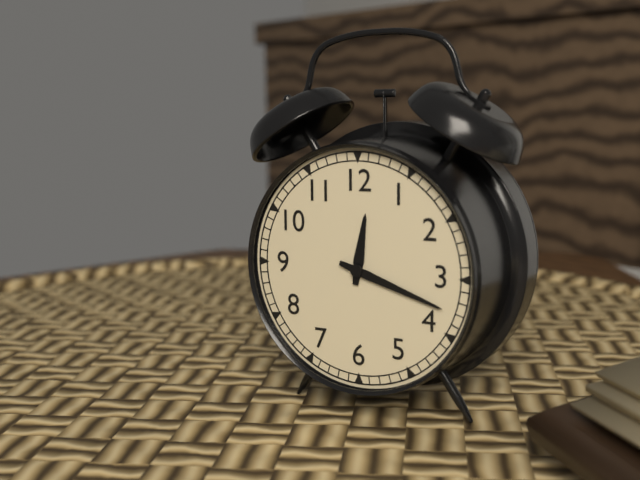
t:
12 h 18 min
